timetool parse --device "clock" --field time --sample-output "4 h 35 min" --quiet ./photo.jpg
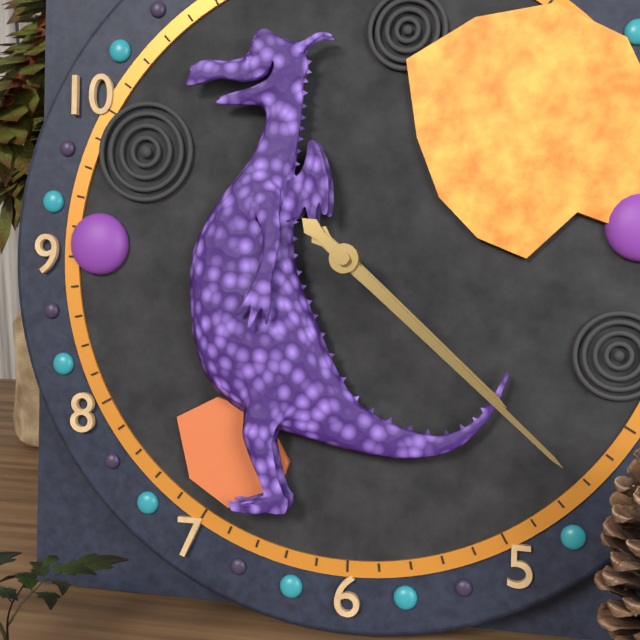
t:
4 h 22 min
